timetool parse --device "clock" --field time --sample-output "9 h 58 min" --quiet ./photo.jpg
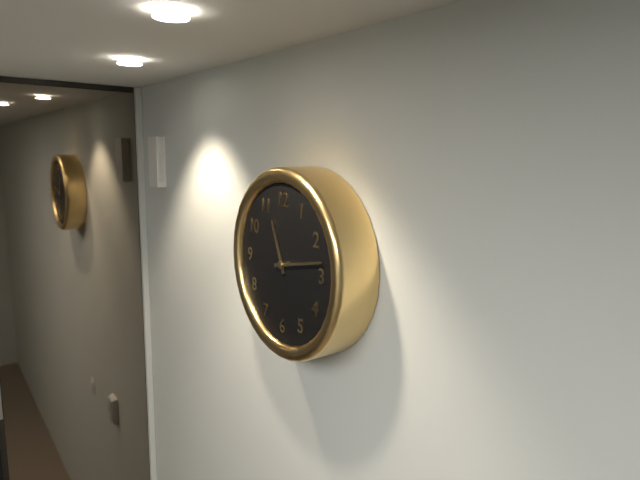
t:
11 h 13 min
